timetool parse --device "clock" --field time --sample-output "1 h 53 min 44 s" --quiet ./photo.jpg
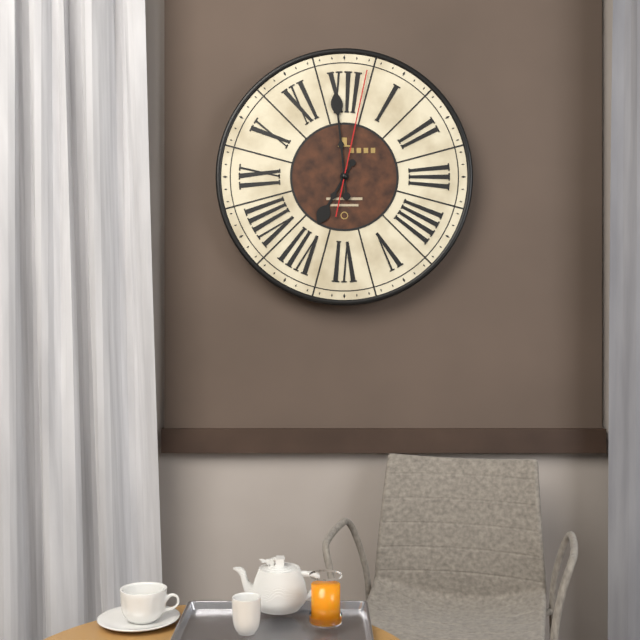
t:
6 h 59 min 02 s
